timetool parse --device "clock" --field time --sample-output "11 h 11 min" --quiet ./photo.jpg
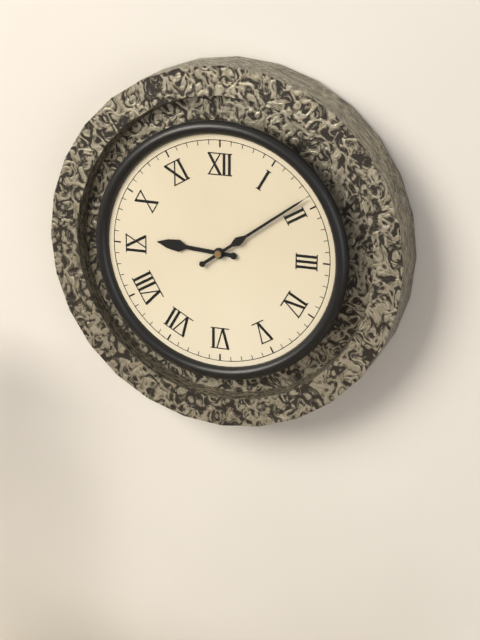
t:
9 h 09 min
